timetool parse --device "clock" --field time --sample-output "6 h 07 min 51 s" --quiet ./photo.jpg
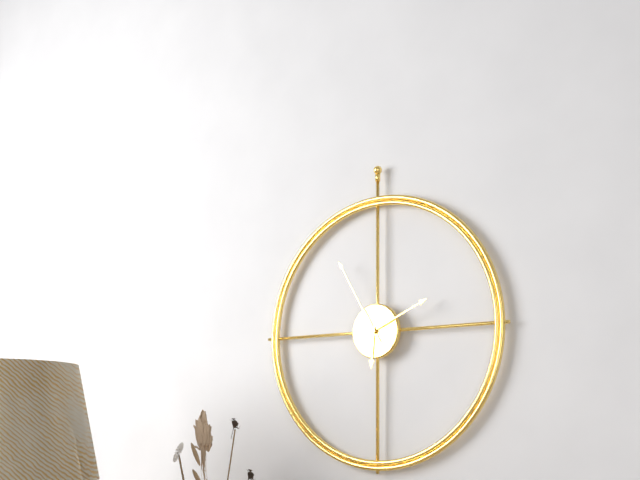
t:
6 h 11 min 55 s
